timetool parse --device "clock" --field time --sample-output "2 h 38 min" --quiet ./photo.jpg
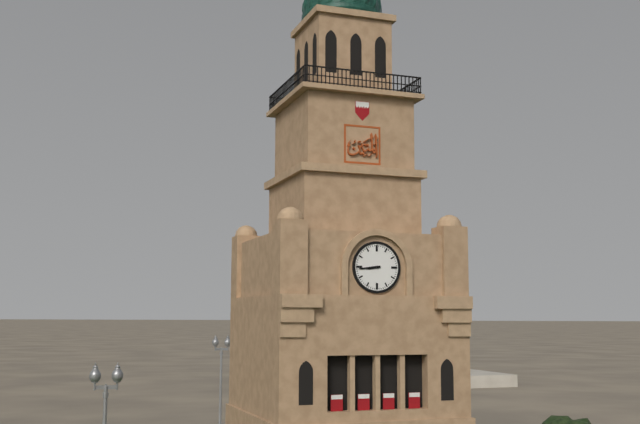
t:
8 h 44 min
